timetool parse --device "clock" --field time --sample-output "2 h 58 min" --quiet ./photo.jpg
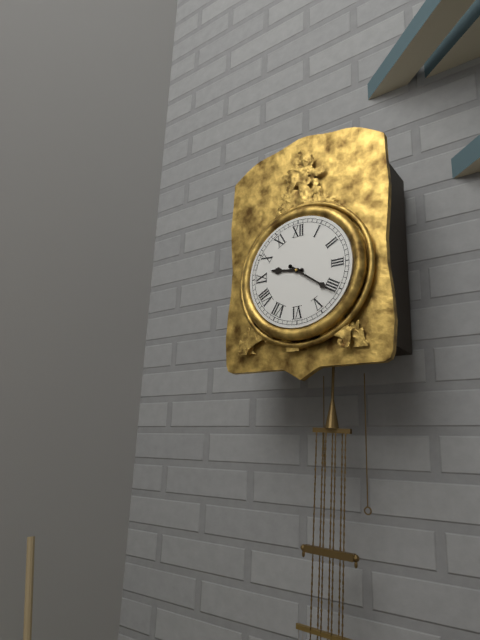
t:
9 h 21 min
